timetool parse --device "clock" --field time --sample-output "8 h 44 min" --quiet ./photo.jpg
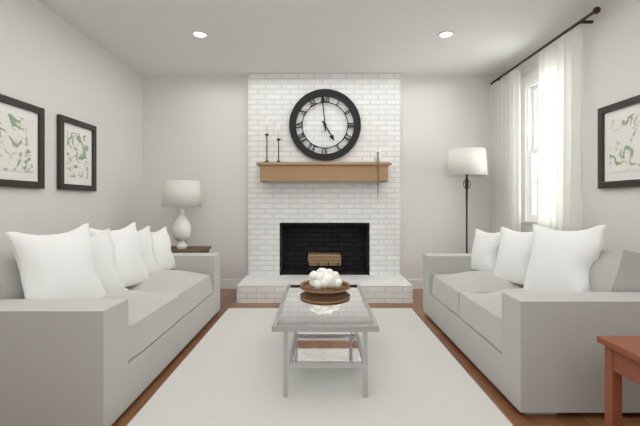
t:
4 h 59 min
